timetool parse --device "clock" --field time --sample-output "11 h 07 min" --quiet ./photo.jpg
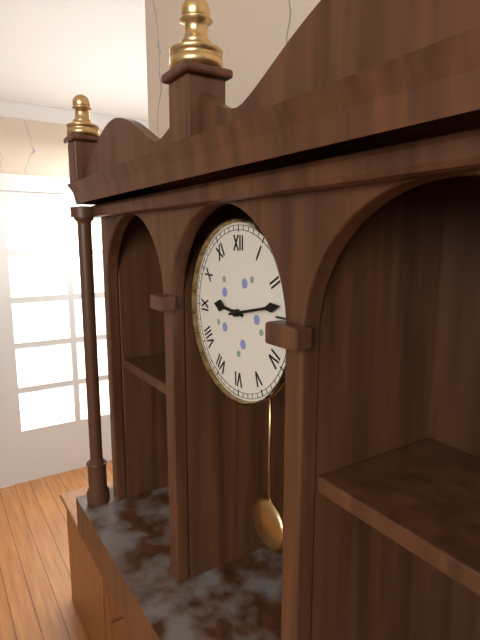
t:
9 h 13 min
